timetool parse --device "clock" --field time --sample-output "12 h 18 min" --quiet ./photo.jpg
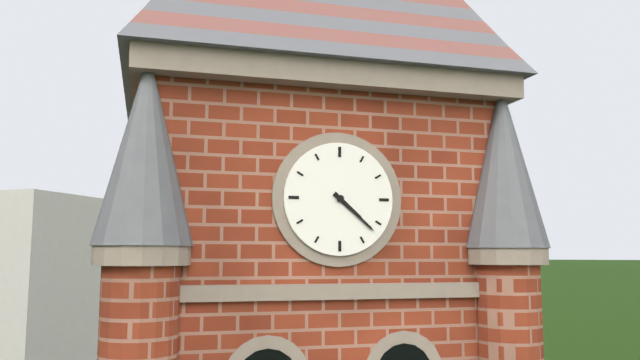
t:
4 h 22 min
